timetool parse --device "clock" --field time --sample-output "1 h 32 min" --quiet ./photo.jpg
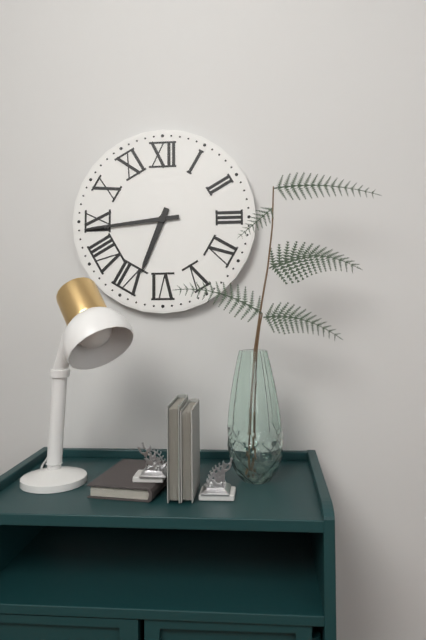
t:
6 h 44 min
